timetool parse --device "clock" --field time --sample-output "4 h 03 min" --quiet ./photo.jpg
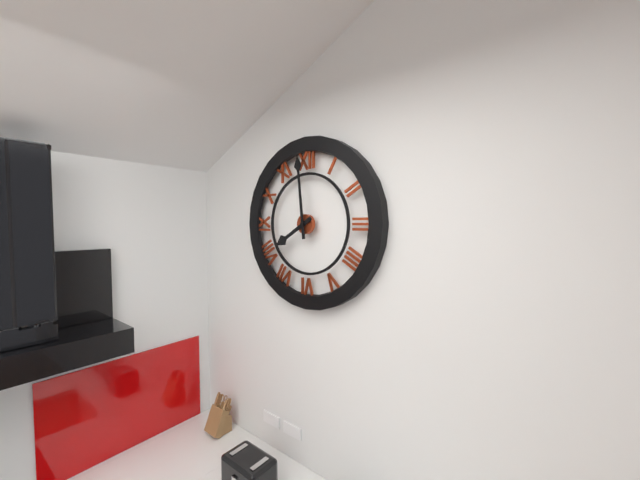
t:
7 h 59 min
